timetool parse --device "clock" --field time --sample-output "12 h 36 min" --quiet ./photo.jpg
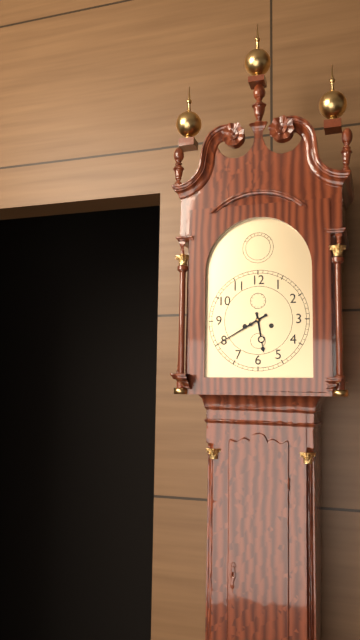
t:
5 h 40 min
